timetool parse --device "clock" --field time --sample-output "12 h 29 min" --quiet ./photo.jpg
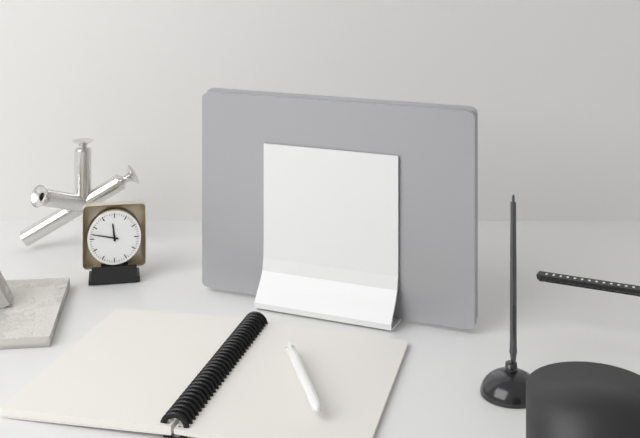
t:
11 h 47 min
